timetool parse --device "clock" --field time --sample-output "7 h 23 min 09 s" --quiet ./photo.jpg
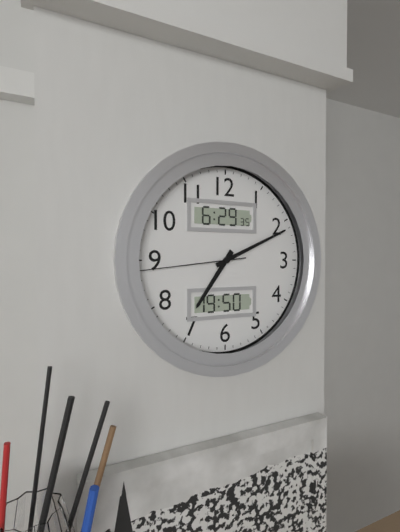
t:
7 h 11 min 44 s
